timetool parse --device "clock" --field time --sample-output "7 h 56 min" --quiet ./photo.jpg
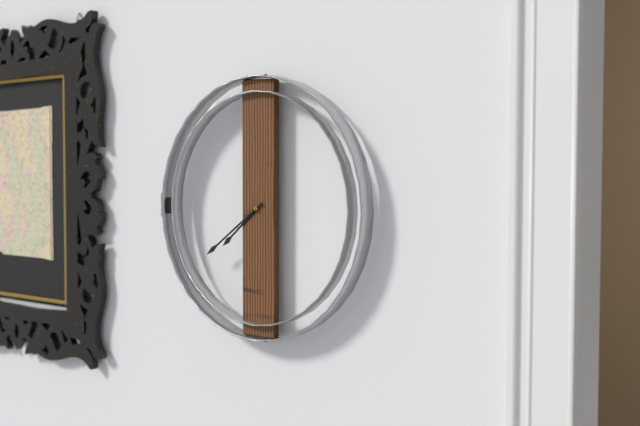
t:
7 h 39 min
